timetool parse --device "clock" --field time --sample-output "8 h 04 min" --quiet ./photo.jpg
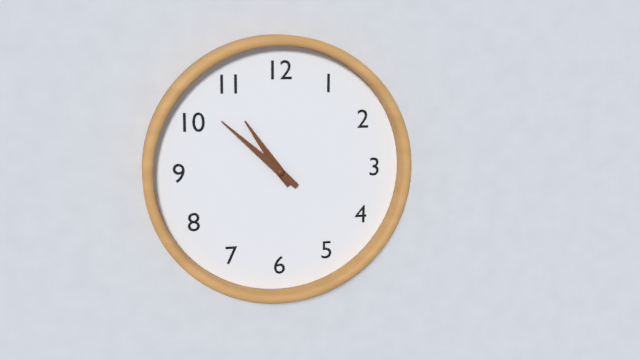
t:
10 h 52 min
